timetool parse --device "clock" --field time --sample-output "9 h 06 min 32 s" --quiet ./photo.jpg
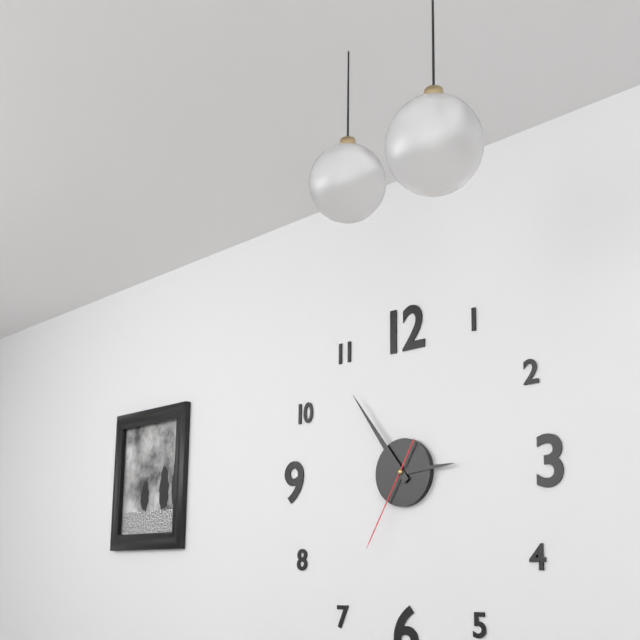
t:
2 h 54 min 35 s
